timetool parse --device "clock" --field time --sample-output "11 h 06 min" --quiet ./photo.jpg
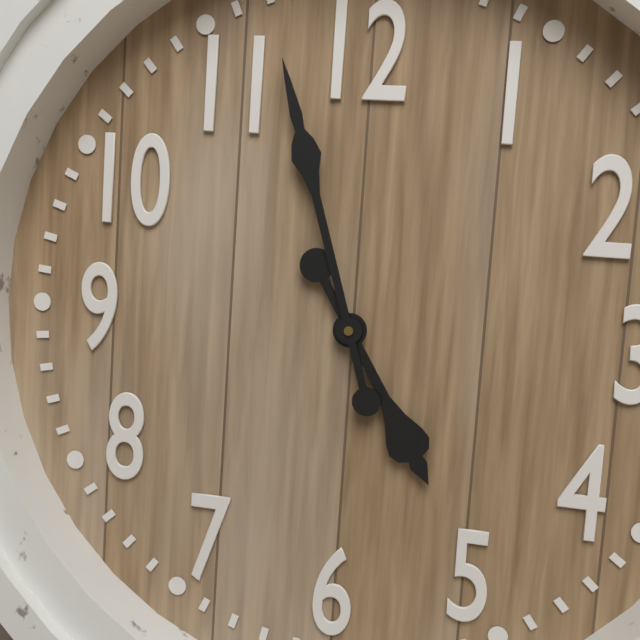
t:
4 h 57 min
